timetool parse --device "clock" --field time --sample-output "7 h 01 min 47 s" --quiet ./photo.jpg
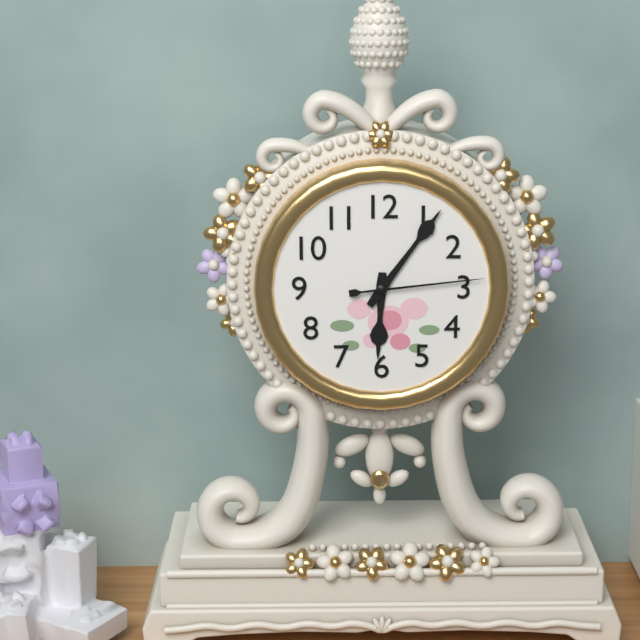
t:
6 h 06 min 14 s
